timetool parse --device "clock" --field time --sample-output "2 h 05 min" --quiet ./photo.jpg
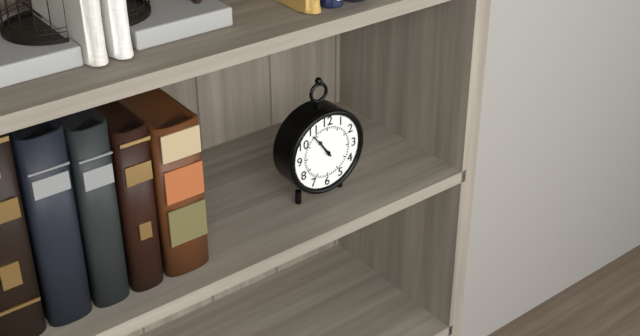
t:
10 h 54 min
